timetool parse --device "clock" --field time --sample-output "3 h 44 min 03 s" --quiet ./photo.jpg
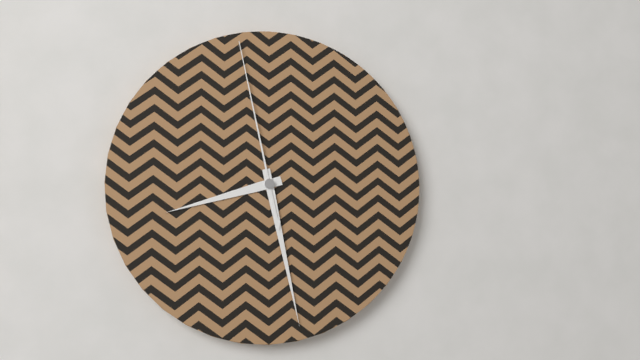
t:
8 h 28 min 58 s
